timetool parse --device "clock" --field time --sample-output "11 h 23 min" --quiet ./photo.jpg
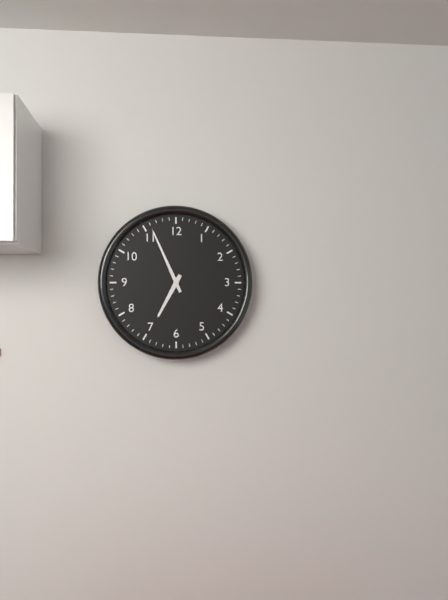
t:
6 h 56 min
